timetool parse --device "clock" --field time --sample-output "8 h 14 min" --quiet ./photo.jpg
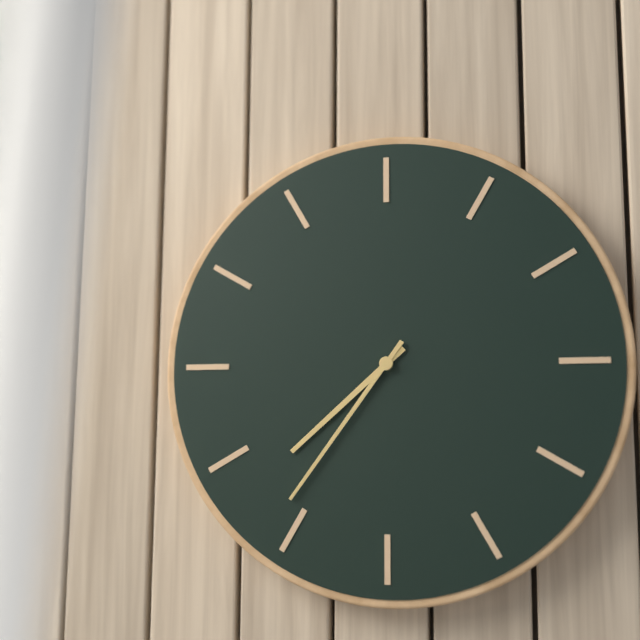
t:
7 h 36 min
